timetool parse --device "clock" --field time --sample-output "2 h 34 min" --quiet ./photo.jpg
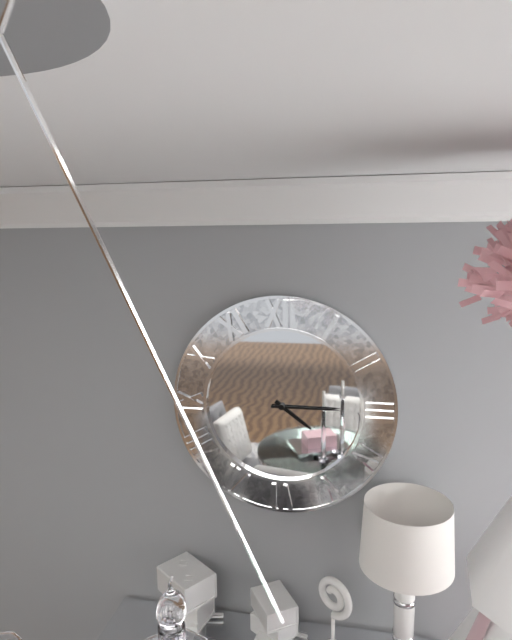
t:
4 h 15 min
